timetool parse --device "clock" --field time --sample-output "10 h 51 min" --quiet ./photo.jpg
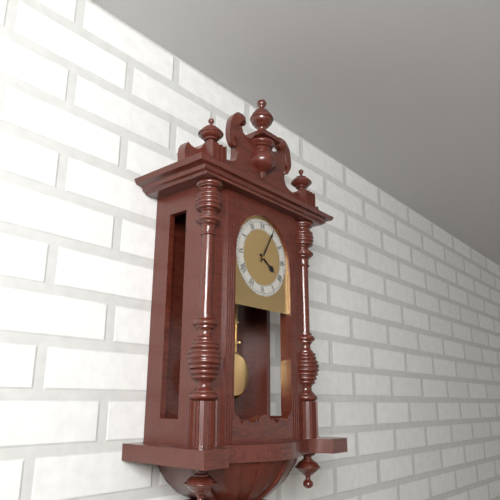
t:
4 h 05 min
